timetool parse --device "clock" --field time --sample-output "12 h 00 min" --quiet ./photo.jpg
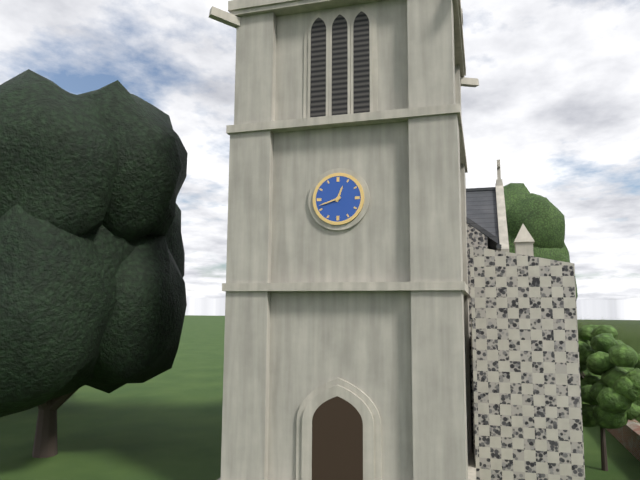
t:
12 h 42 min
